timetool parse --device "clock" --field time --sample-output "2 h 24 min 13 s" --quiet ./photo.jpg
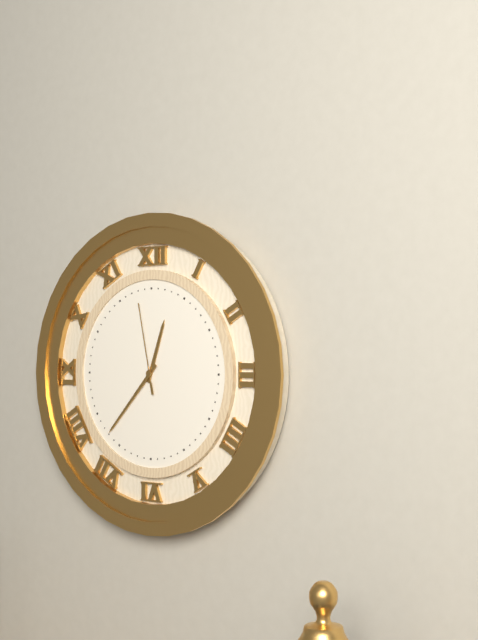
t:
12 h 37 min 58 s
